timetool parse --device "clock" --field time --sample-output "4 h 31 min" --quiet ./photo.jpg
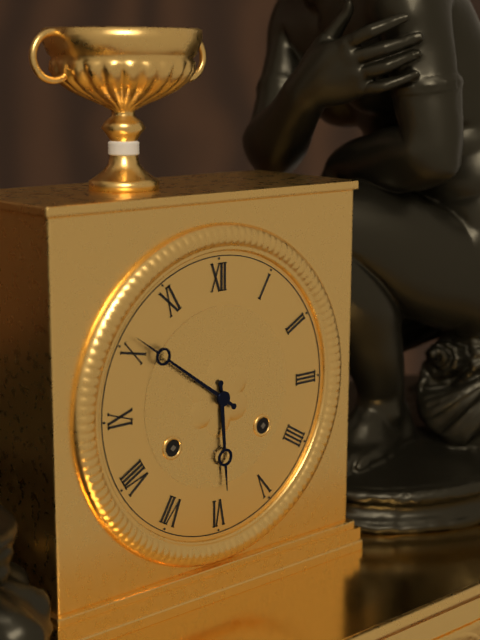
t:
5 h 51 min
